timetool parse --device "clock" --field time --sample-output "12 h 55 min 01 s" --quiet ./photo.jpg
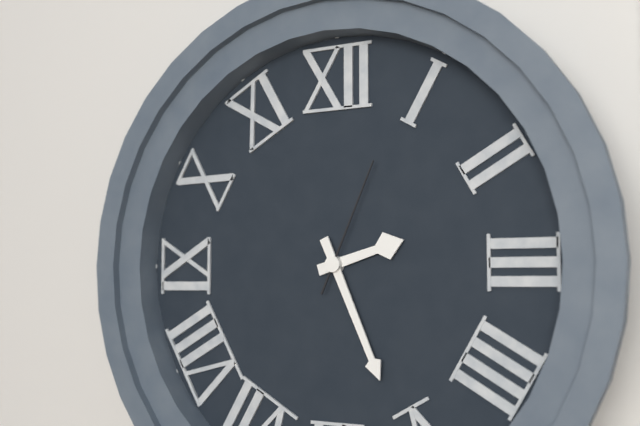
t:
2 h 26 min 04 s
